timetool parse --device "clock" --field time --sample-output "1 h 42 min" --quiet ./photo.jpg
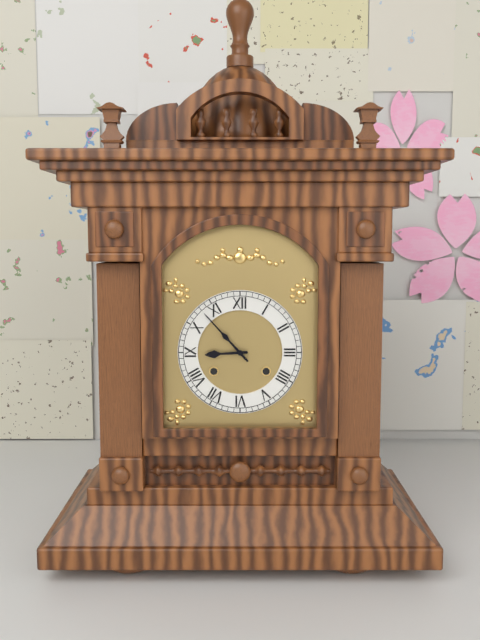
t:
8 h 53 min
